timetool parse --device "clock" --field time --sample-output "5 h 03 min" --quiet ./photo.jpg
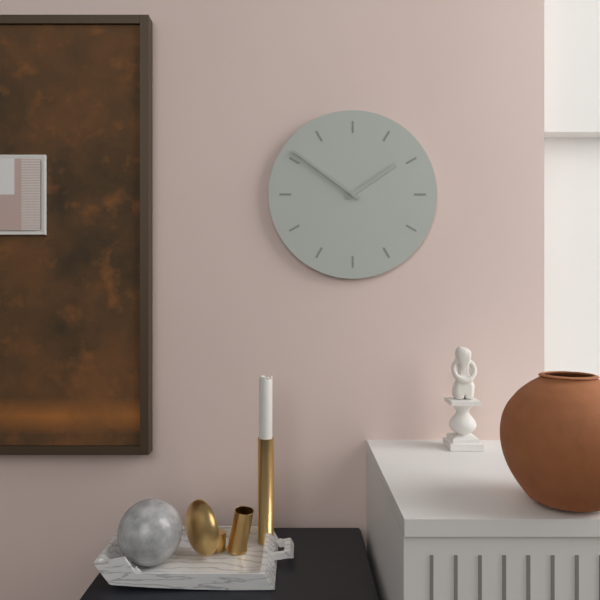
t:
1 h 51 min
